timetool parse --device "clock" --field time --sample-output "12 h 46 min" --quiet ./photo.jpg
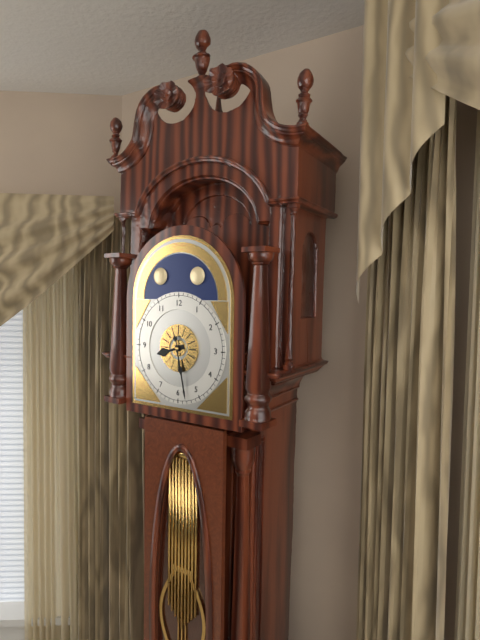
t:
8 h 28 min
